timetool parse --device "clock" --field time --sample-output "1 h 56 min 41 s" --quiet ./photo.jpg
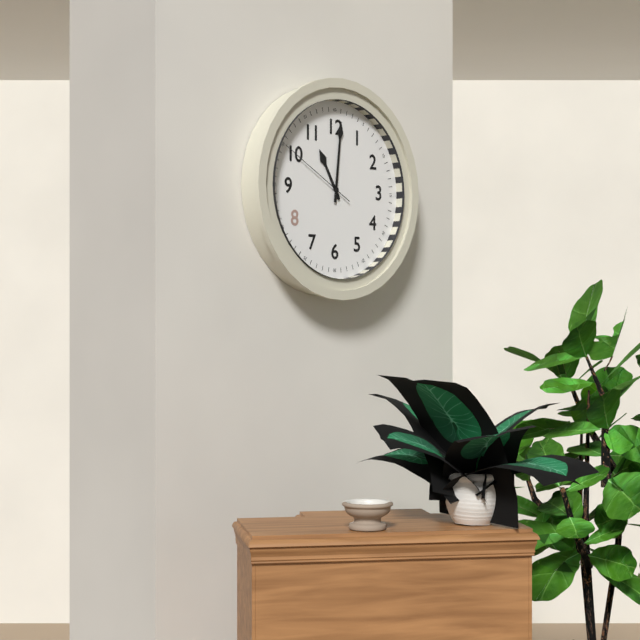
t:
11 h 01 min 50 s
